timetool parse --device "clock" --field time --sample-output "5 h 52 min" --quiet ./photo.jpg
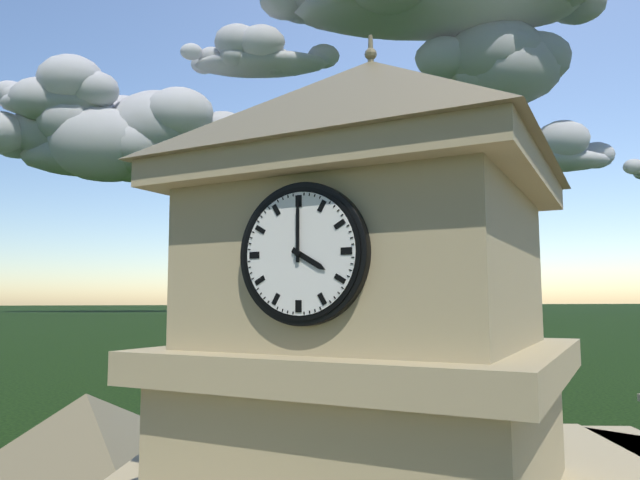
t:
4 h 00 min
